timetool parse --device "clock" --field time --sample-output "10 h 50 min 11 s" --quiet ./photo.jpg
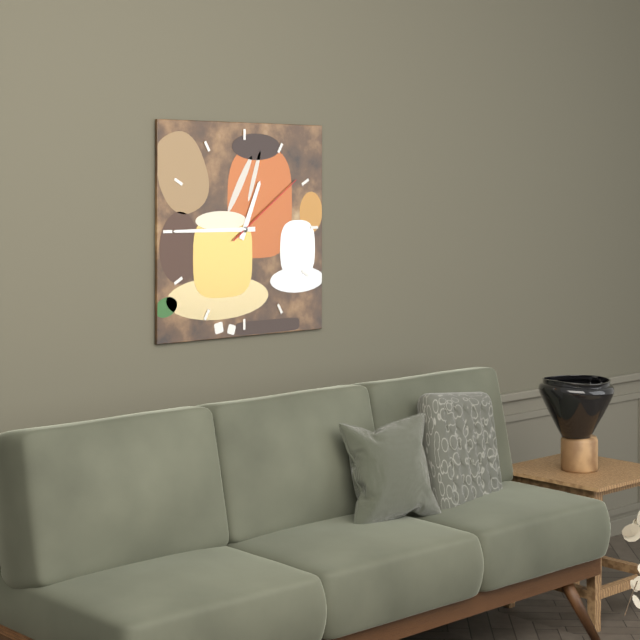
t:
12 h 45 min 09 s
